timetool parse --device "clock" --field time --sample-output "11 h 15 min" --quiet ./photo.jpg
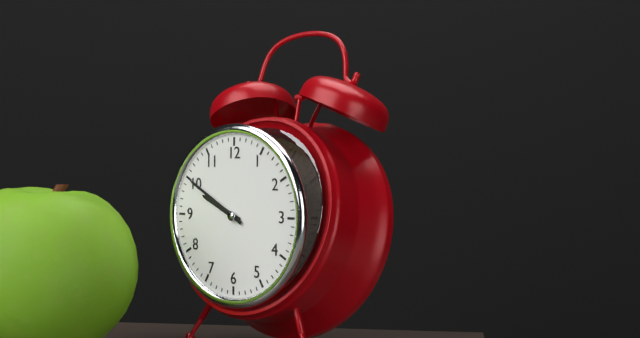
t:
9 h 50 min
